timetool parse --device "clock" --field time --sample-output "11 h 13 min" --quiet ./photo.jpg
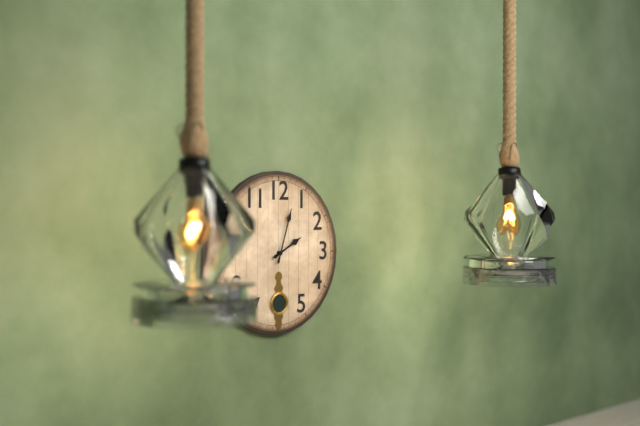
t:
2 h 03 min
